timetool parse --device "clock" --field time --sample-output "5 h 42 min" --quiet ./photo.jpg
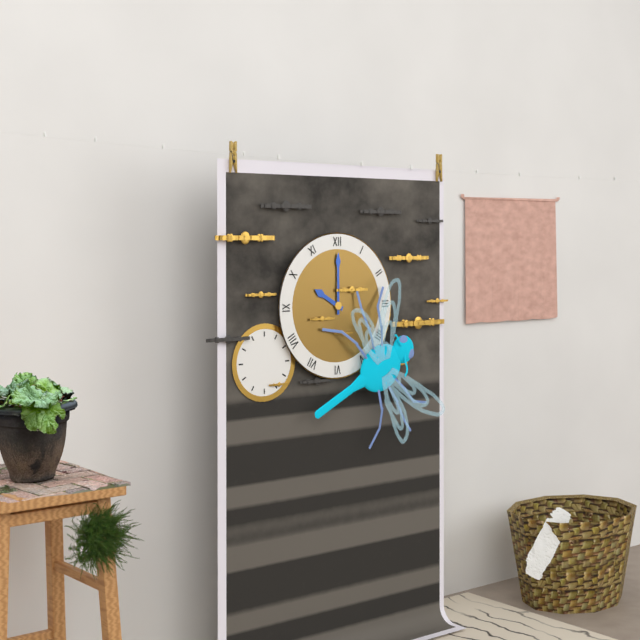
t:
10 h 00 min
